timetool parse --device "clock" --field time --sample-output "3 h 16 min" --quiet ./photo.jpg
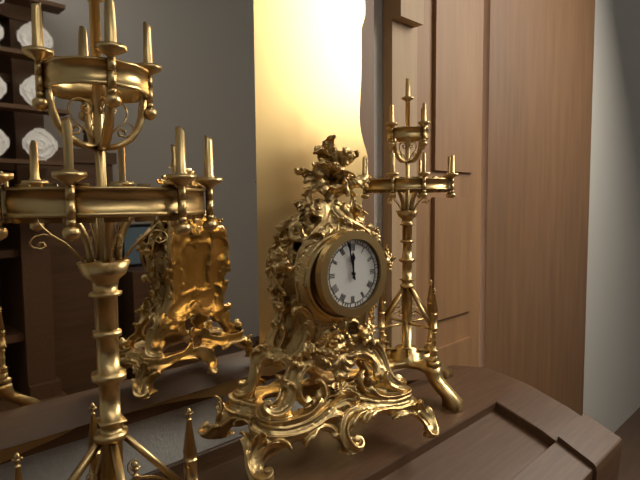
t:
11 h 58 min
